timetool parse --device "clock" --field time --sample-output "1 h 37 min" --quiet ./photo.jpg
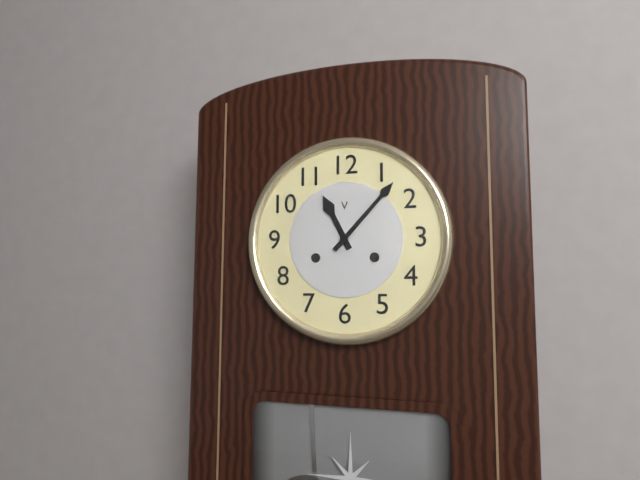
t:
11 h 07 min
